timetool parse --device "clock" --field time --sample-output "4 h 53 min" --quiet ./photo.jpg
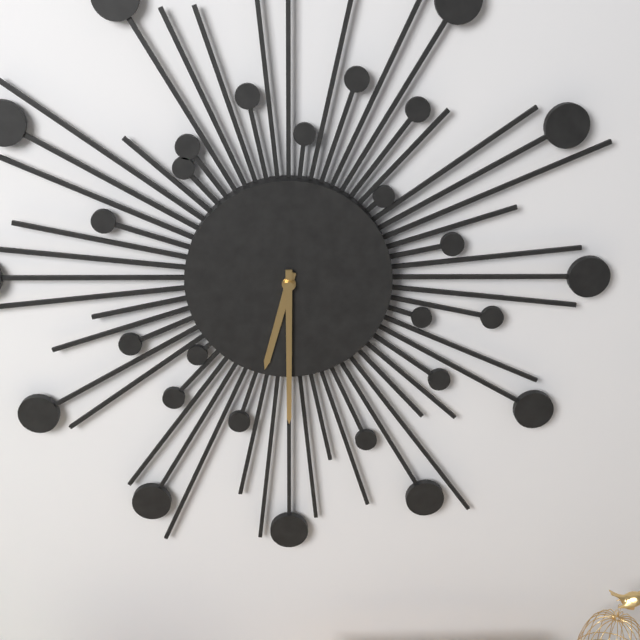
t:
6 h 30 min
